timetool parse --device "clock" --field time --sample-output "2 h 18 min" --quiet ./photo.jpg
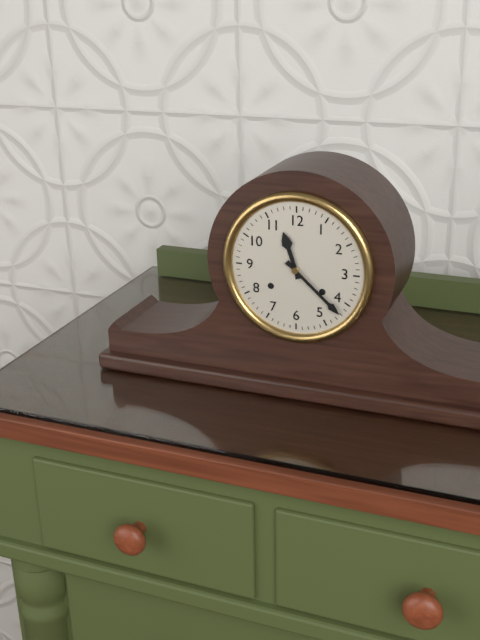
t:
11 h 22 min
